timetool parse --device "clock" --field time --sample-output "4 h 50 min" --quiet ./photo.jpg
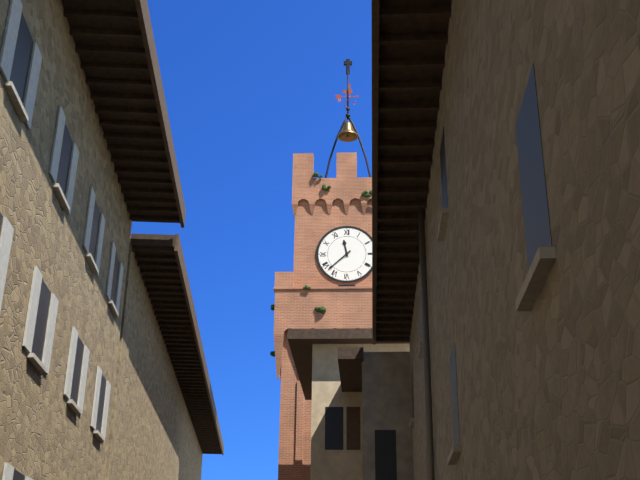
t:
11 h 38 min
